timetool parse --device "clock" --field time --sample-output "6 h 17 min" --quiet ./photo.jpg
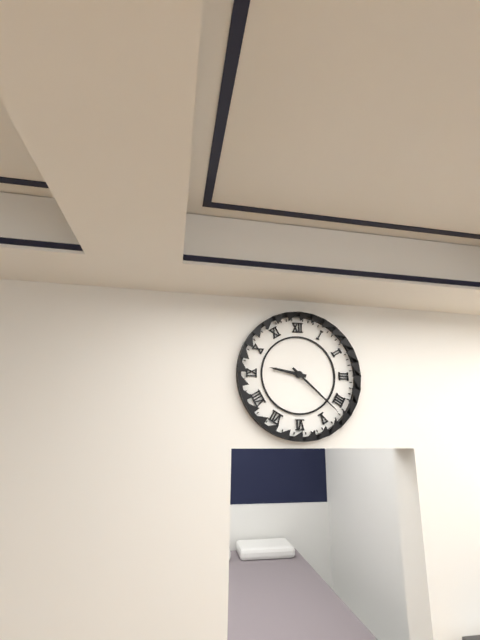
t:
9 h 22 min
